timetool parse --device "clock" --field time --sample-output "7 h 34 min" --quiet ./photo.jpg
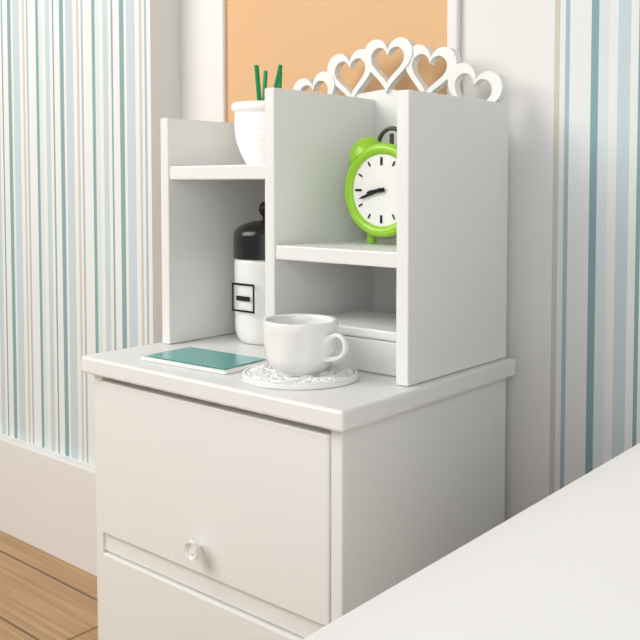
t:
8 h 42 min
